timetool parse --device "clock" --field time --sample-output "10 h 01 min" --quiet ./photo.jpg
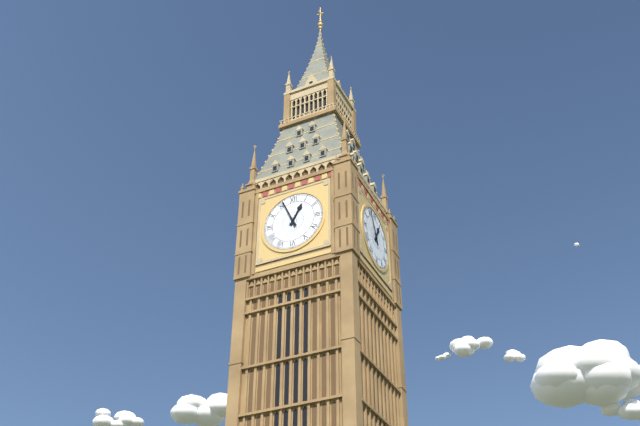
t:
12 h 56 min
